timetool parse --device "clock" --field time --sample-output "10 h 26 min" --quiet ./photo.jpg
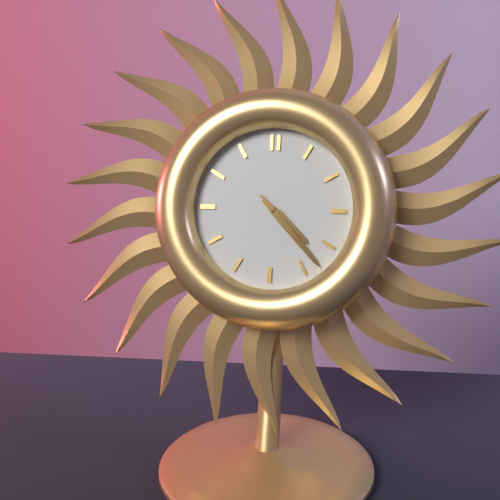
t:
4 h 23 min
